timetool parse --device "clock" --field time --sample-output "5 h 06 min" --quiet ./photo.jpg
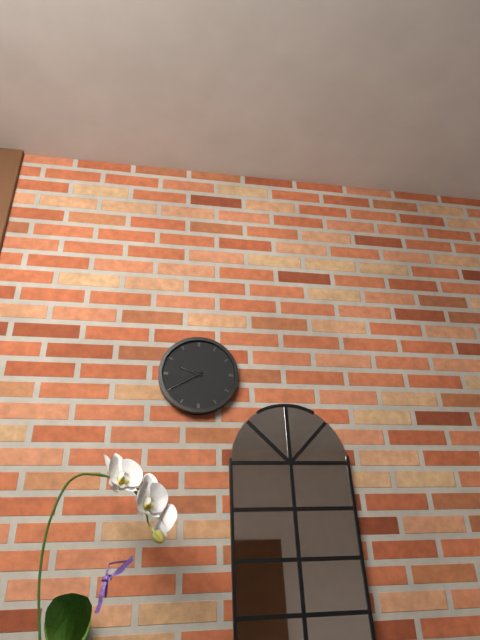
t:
9 h 40 min
